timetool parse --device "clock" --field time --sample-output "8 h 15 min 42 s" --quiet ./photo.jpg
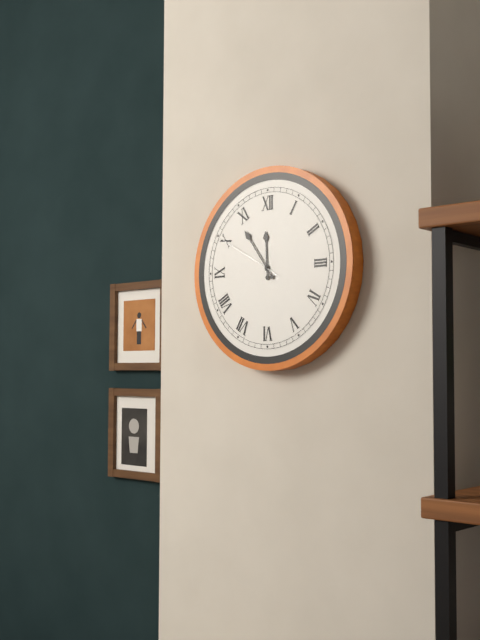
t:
11 h 54 min 50 s
